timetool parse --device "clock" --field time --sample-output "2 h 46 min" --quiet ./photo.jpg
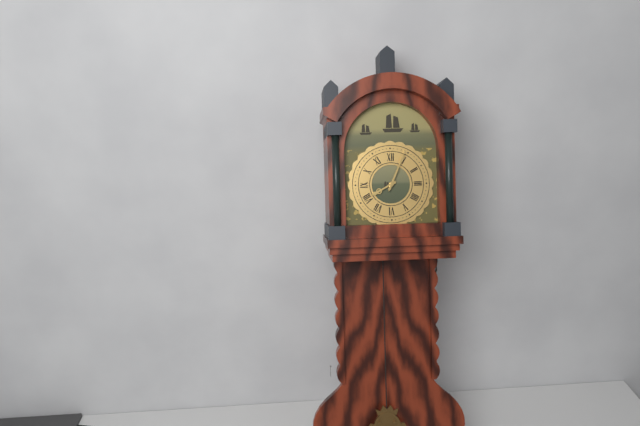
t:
8 h 04 min
